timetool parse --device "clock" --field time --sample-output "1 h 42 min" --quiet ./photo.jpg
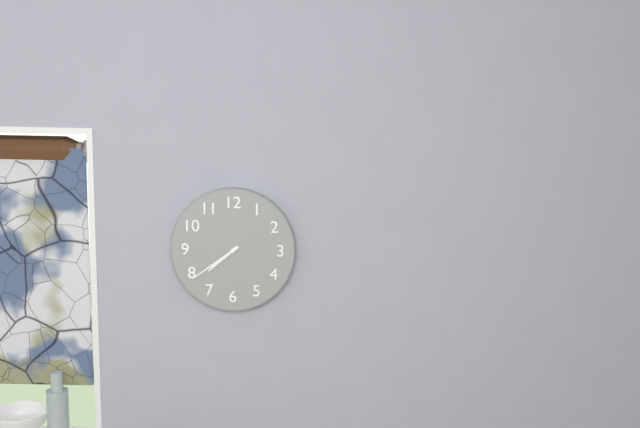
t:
7 h 39 min
